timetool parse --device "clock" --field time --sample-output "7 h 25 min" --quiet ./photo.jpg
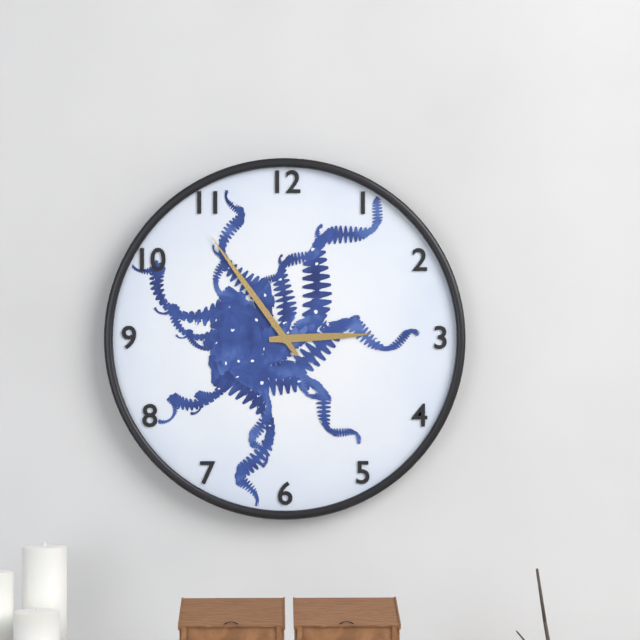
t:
2 h 54 min
